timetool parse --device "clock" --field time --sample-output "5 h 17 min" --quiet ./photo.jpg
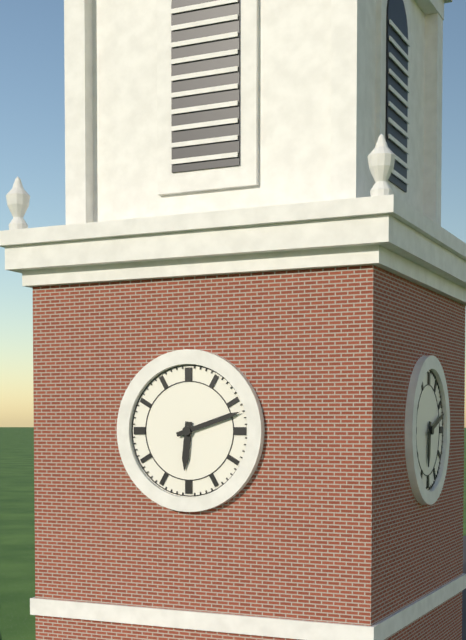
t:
6 h 12 min
